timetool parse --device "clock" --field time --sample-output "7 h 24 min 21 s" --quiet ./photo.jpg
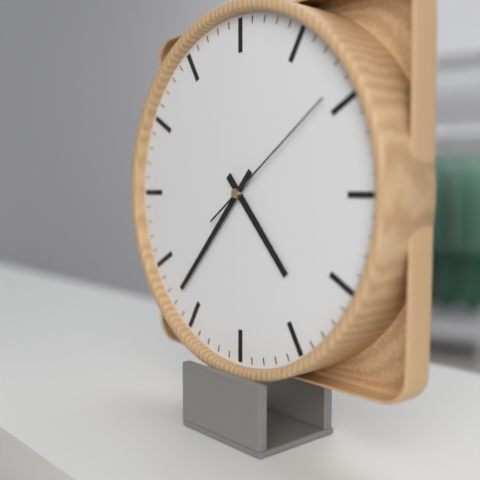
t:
4 h 37 min 09 s
